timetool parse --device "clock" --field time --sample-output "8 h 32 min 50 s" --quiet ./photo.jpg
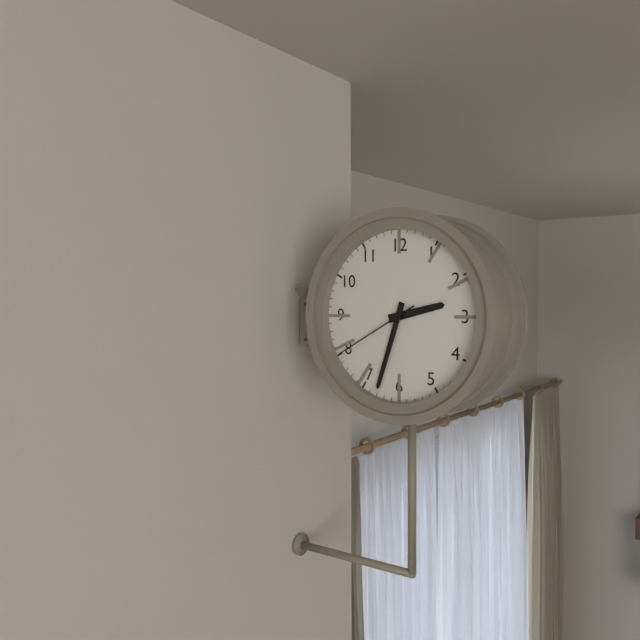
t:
2 h 33 min 40 s
